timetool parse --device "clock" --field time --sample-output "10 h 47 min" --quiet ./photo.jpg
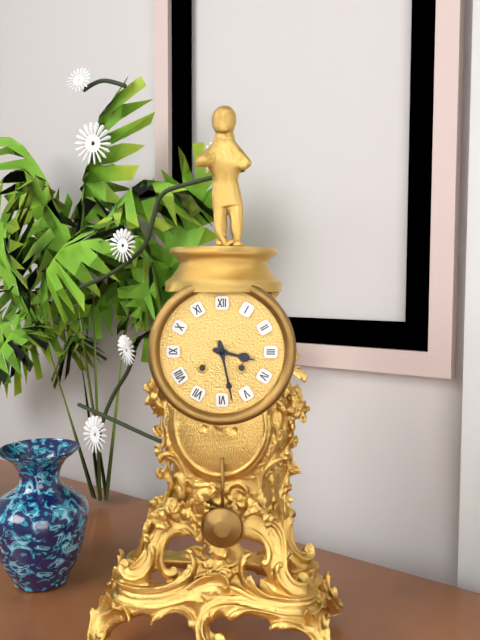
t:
3 h 28 min
